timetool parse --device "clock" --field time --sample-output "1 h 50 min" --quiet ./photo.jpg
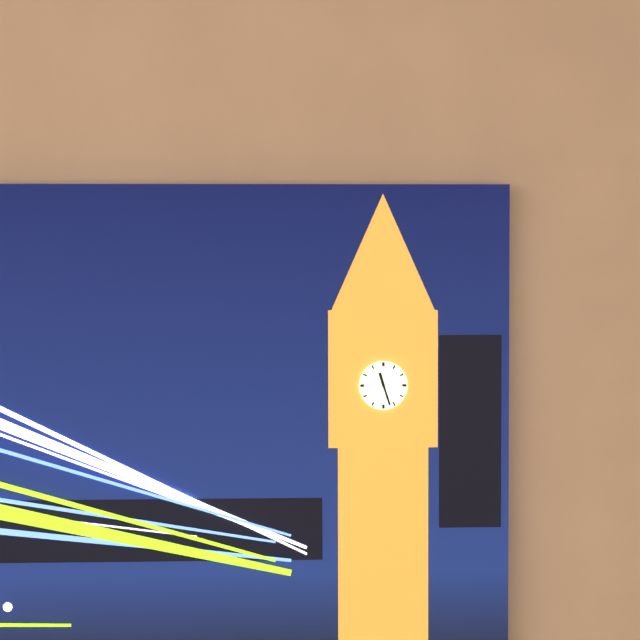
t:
11 h 27 min
